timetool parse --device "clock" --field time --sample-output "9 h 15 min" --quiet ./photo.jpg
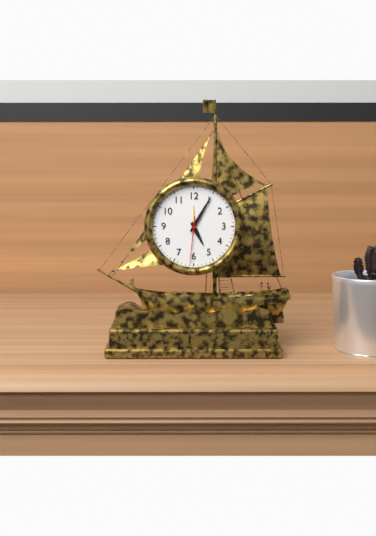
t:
5 h 05 min
